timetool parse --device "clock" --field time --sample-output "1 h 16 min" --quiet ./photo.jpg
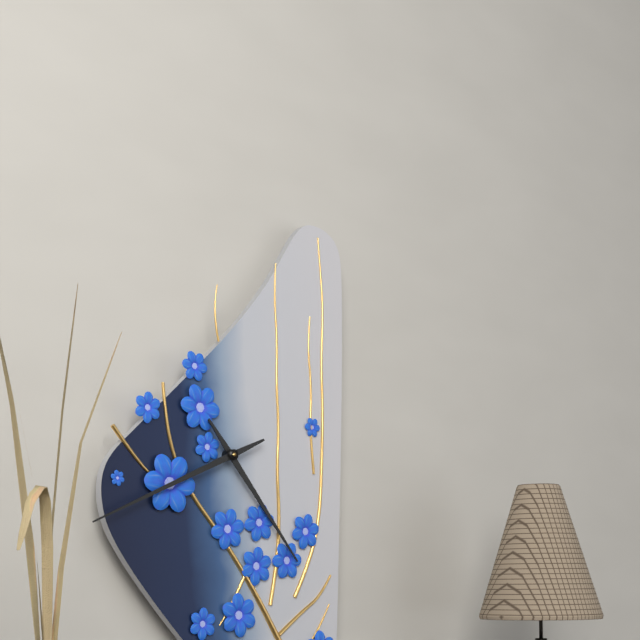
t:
4 h 41 min
